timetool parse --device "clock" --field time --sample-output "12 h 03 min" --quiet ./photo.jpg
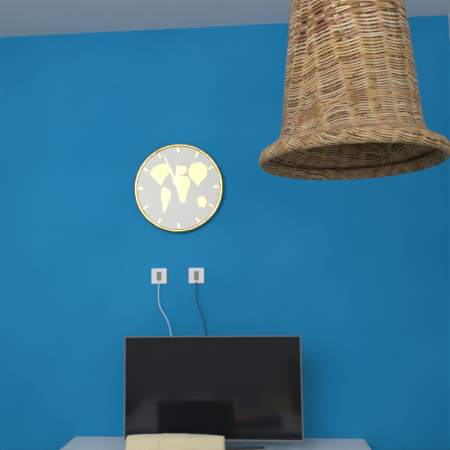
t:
11 h 56 min
